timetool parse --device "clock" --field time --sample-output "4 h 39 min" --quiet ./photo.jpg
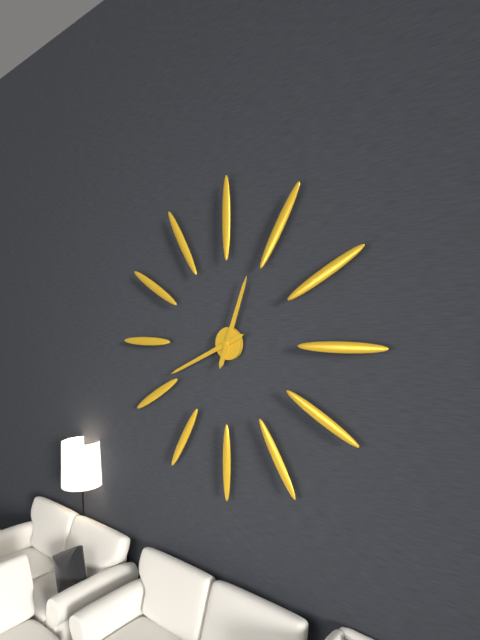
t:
12 h 41 min
